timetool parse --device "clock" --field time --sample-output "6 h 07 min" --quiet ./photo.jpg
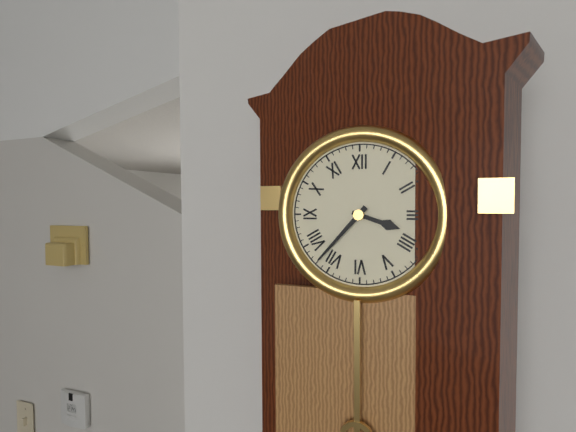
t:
3 h 37 min
